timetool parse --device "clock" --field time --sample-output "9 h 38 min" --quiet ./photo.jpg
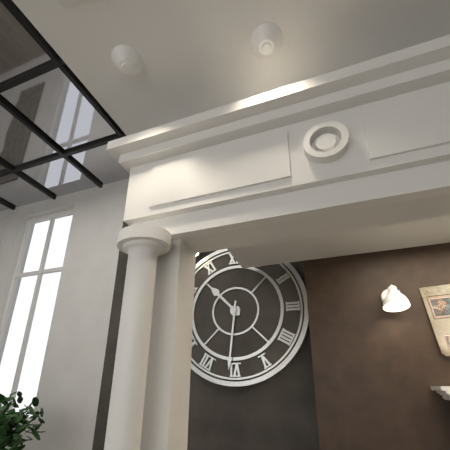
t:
10 h 31 min
